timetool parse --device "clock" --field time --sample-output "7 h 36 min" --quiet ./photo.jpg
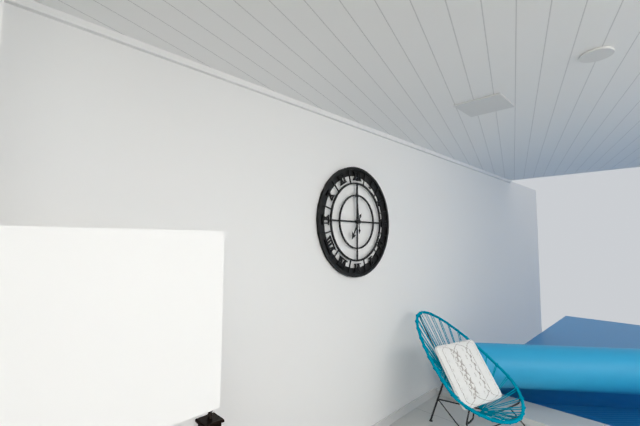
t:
6 h 59 min
